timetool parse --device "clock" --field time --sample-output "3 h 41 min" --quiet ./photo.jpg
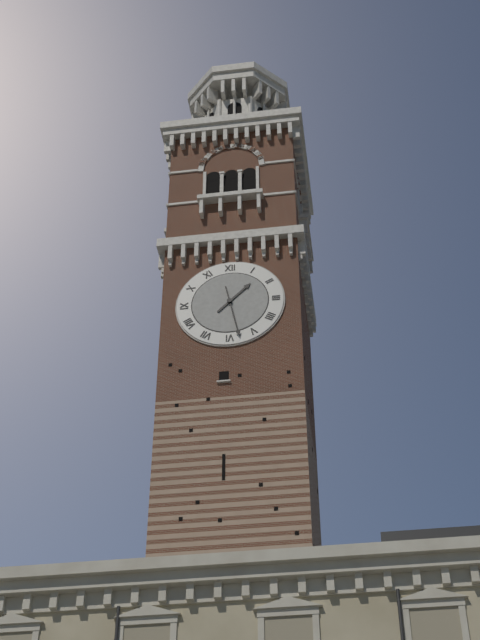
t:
1 h 28 min
